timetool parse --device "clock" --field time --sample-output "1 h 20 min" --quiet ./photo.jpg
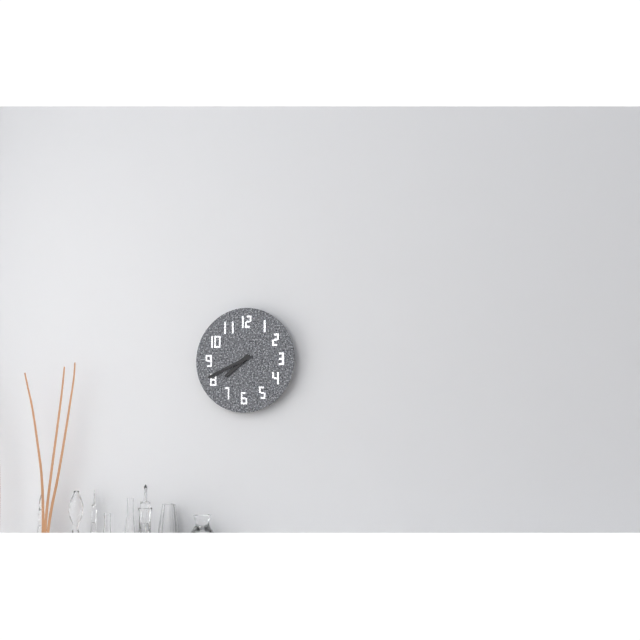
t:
7 h 41 min
